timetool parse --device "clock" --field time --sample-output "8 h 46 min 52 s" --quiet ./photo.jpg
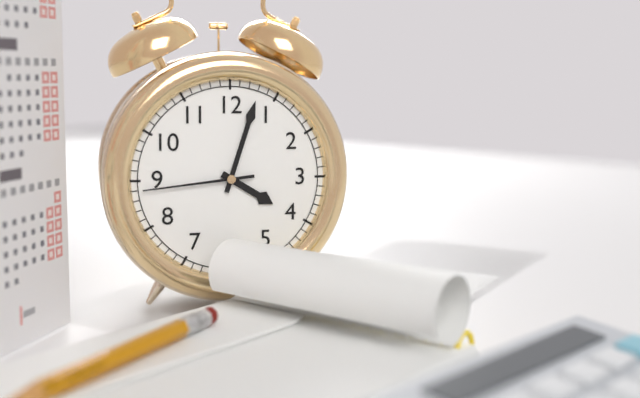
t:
4 h 03 min 44 s
